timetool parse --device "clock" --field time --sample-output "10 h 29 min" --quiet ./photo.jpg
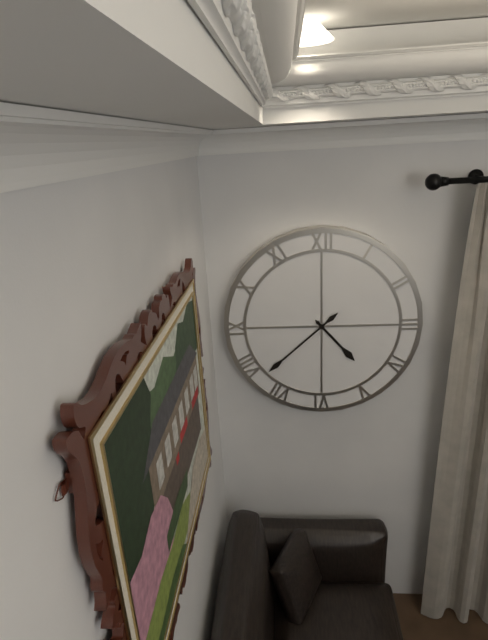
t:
4 h 38 min
